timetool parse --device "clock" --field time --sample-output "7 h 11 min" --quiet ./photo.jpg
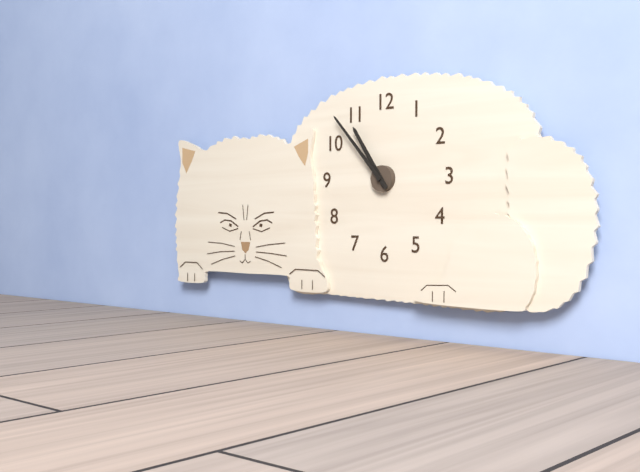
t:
10 h 53 min
